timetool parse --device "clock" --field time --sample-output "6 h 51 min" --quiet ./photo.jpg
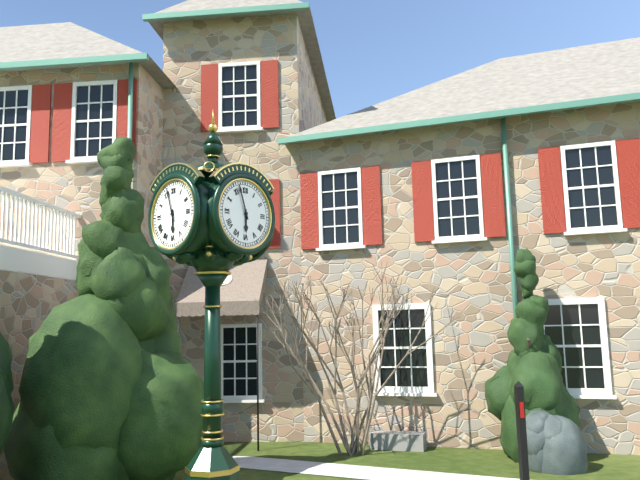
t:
5 h 57 min
